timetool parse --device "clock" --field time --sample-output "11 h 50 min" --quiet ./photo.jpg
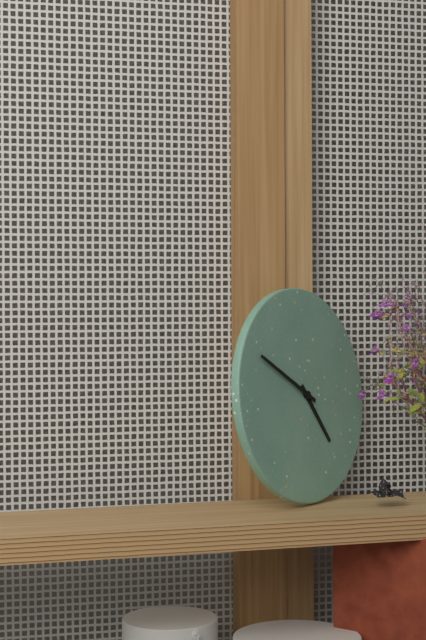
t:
4 h 50 min
